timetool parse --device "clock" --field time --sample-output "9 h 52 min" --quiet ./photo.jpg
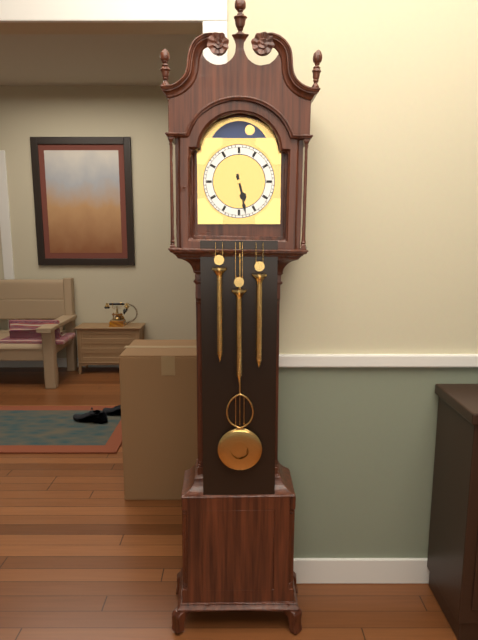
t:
5 h 28 min
